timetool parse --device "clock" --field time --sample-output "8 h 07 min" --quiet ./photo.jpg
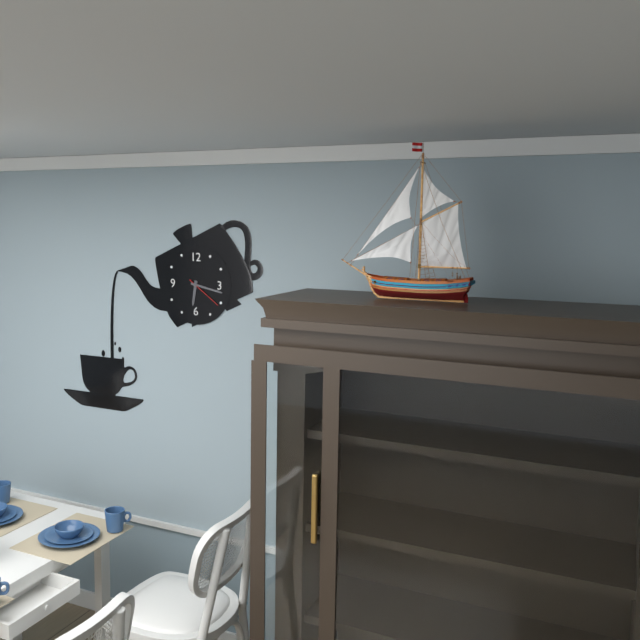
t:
6 h 17 min
